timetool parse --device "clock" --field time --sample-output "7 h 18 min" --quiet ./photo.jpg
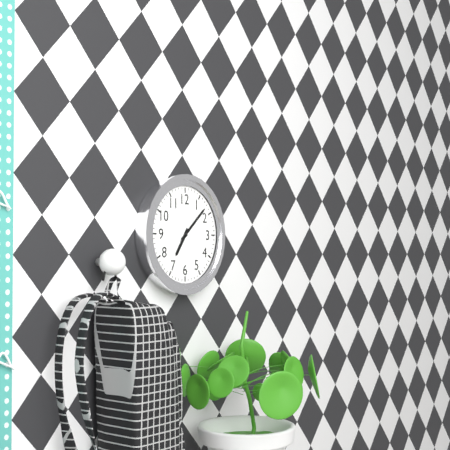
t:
7 h 08 min
